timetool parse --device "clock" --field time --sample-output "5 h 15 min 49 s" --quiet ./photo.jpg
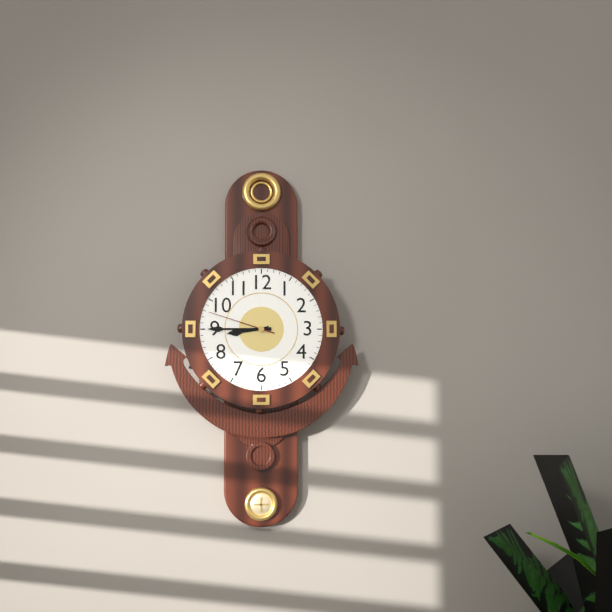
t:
8 h 45 min 48 s
